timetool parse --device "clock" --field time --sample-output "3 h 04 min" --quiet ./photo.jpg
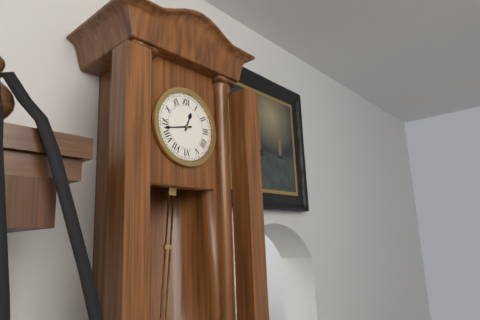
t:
12 h 43 min
